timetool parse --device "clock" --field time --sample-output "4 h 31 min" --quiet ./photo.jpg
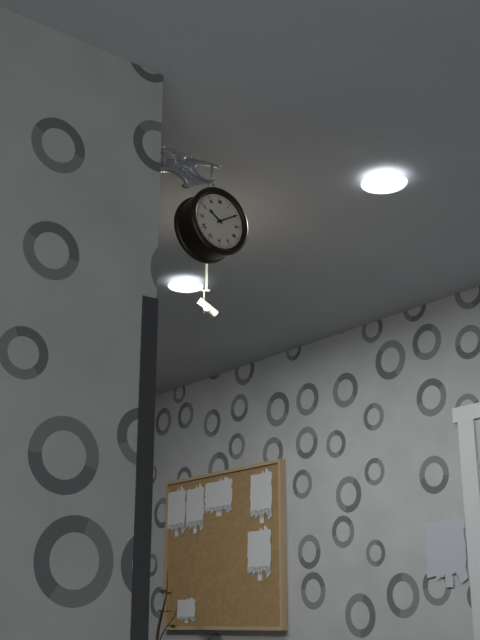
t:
10 h 10 min
